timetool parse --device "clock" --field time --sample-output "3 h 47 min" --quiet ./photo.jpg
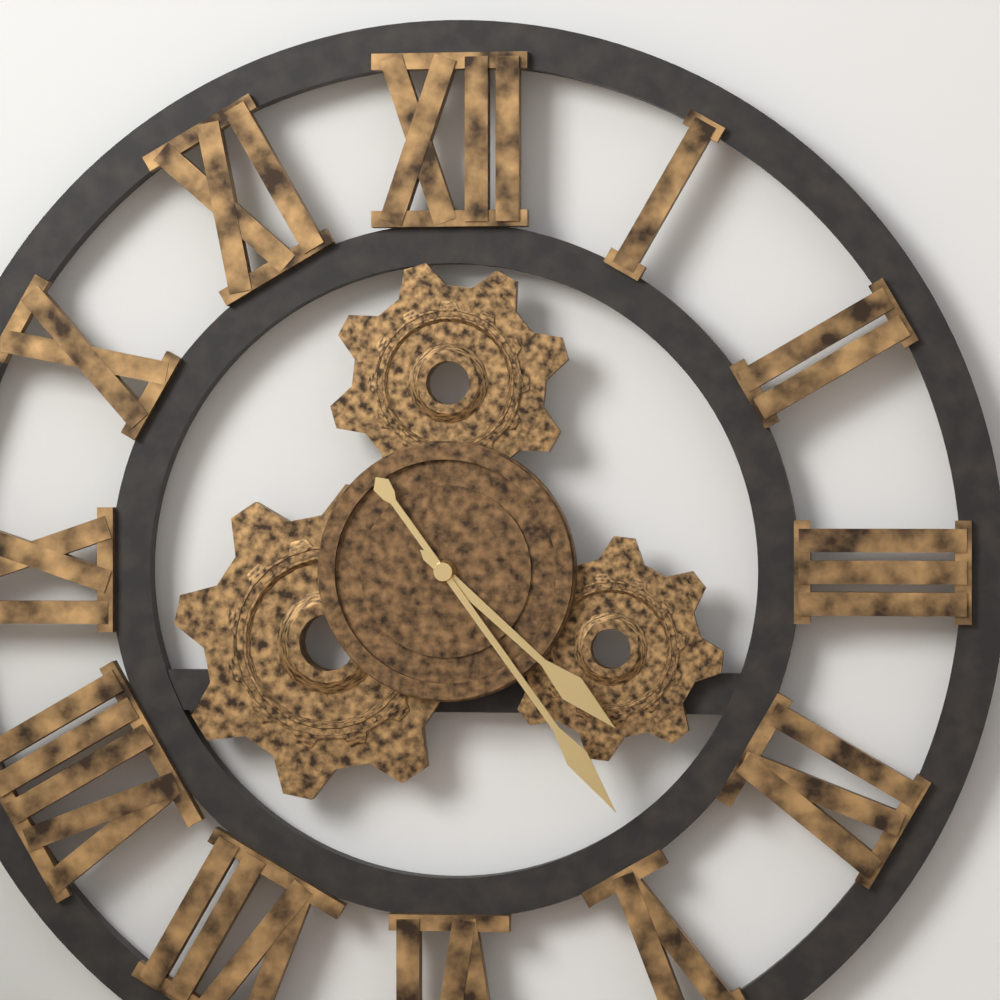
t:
4 h 24 min
